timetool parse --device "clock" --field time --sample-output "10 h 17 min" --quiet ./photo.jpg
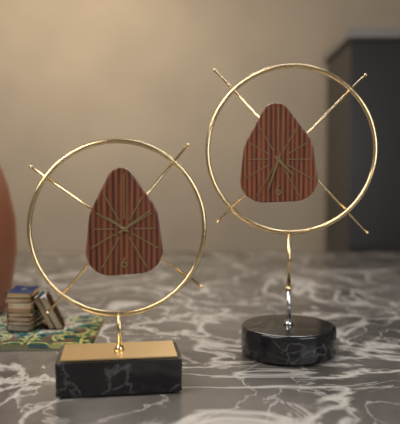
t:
4 h 33 min
